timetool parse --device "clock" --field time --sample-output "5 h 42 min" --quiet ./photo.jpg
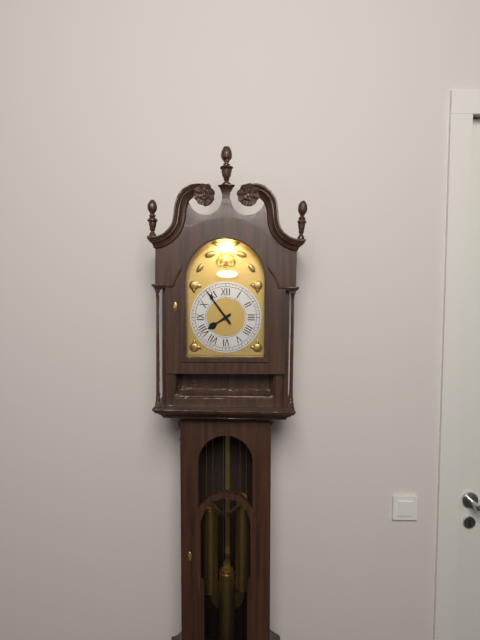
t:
7 h 54 min
